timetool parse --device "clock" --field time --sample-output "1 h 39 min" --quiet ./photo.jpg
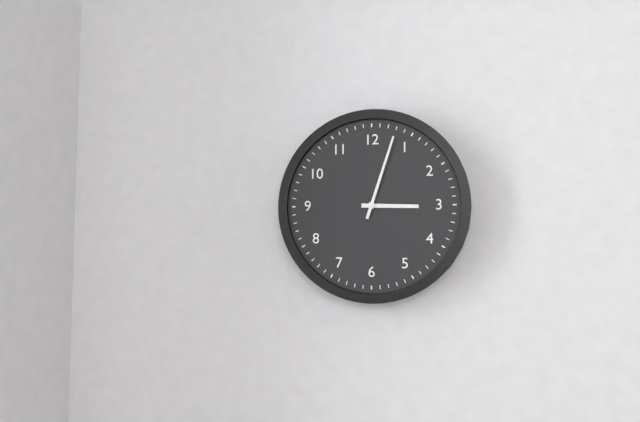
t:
3 h 03 min
